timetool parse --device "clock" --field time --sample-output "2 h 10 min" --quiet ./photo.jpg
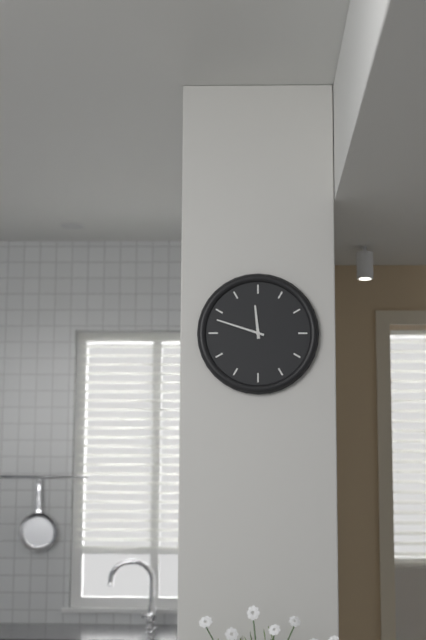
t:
11 h 48 min
